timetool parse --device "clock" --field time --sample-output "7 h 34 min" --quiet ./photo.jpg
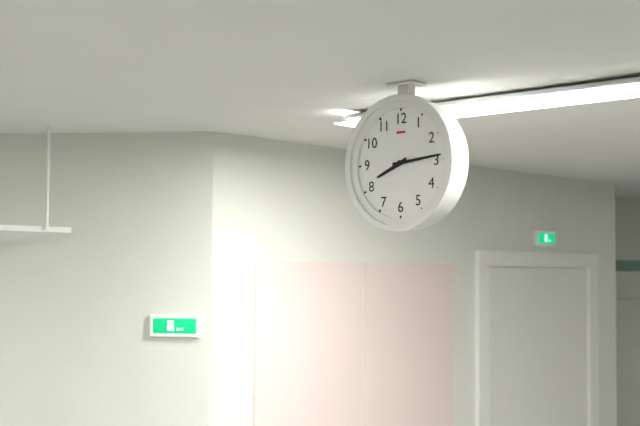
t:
8 h 14 min
